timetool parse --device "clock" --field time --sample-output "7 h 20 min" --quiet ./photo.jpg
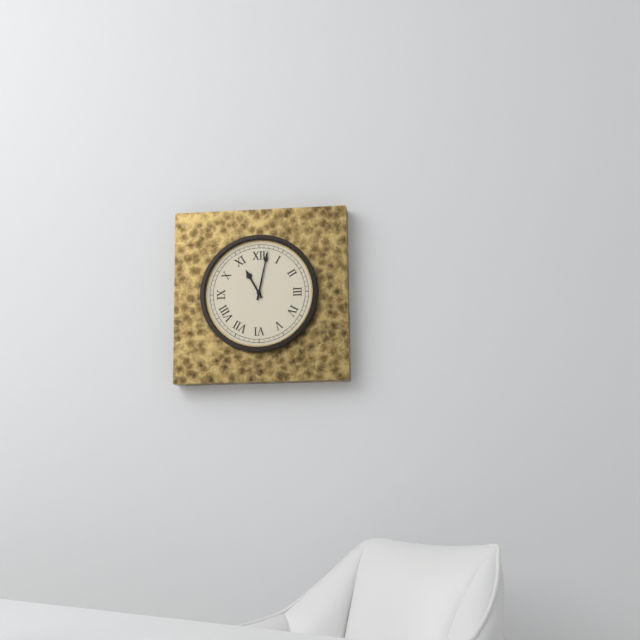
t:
11 h 02 min
